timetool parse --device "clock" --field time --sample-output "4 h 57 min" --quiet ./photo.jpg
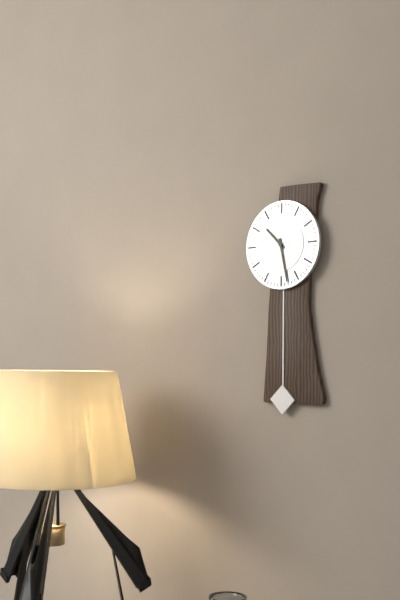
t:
10 h 28 min
